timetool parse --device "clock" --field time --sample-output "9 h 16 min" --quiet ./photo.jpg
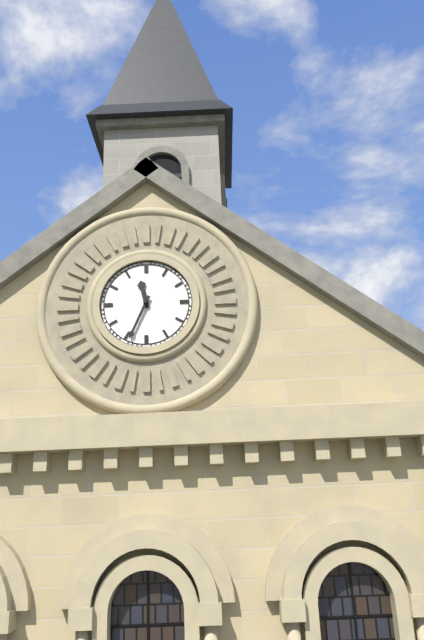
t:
11 h 34 min
